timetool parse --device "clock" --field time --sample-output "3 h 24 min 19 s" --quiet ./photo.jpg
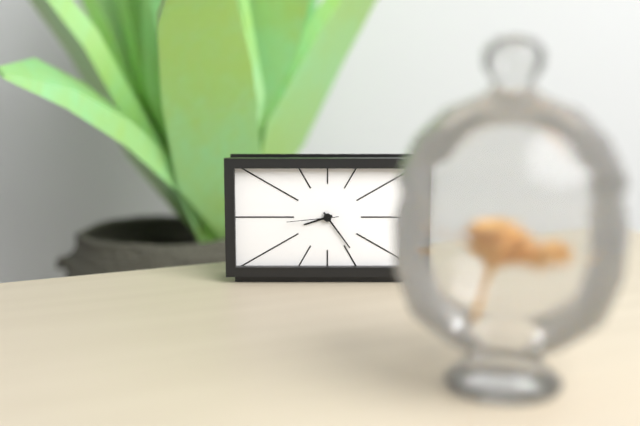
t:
8 h 24 min 44 s
